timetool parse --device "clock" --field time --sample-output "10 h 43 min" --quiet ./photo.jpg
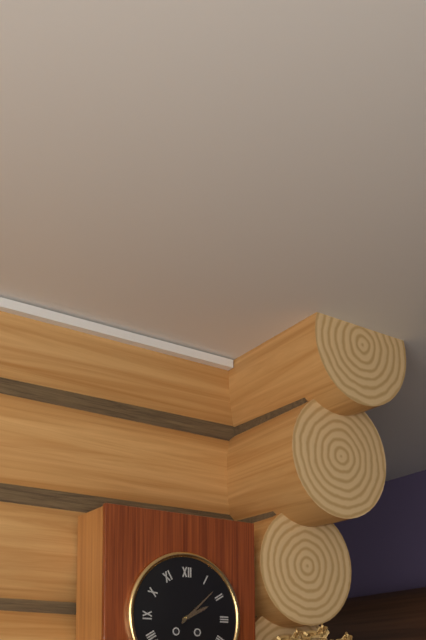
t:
2 h 08 min
